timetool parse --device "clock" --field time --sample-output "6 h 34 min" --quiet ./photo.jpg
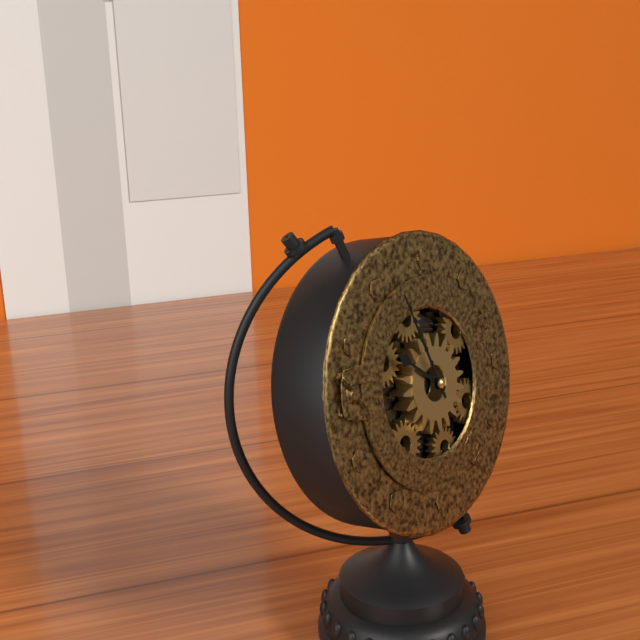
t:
9 h 55 min
